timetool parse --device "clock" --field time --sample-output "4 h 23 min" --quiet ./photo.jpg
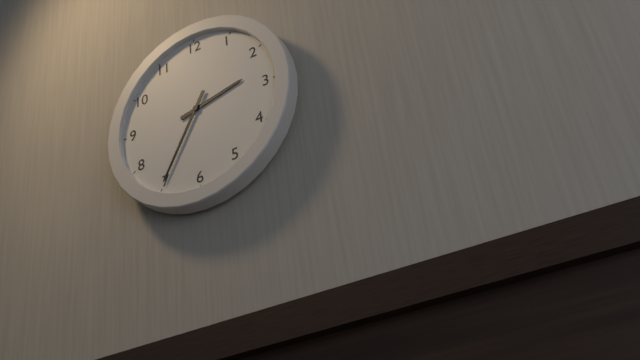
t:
2 h 35 min
